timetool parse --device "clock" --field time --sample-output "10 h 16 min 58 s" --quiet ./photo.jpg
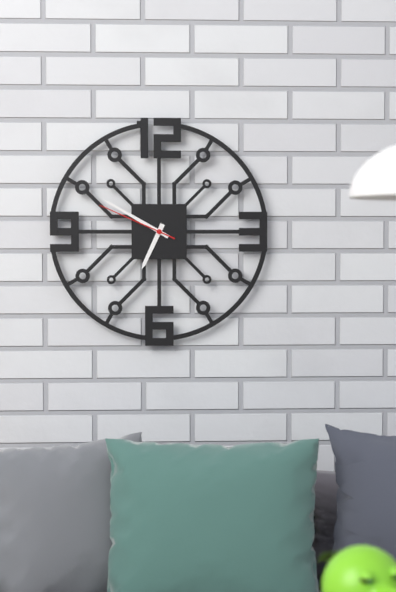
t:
6 h 50 min 49 s
